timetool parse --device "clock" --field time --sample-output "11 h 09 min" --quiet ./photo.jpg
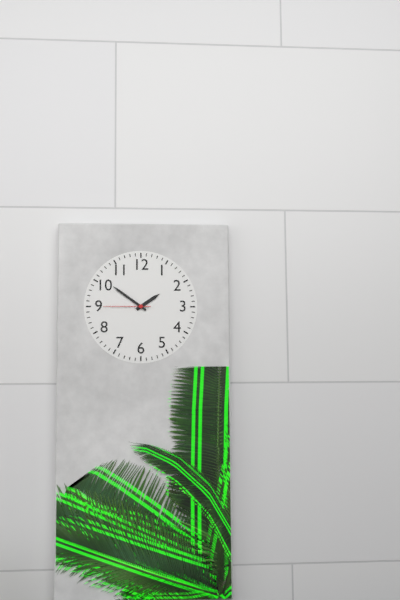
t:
1 h 51 min
